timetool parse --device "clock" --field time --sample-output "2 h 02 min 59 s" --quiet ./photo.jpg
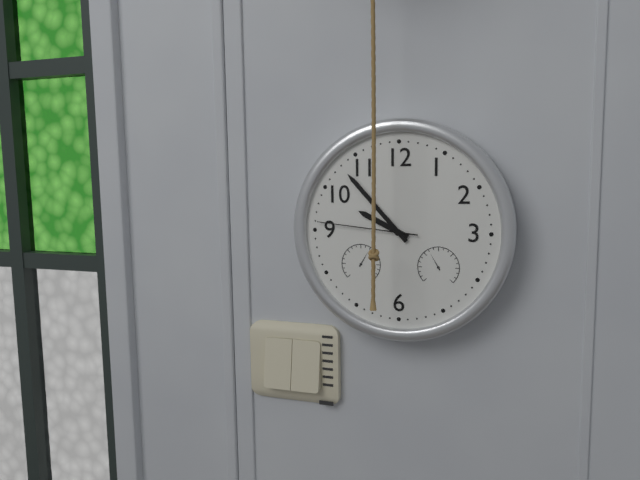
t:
9 h 53 min 46 s
